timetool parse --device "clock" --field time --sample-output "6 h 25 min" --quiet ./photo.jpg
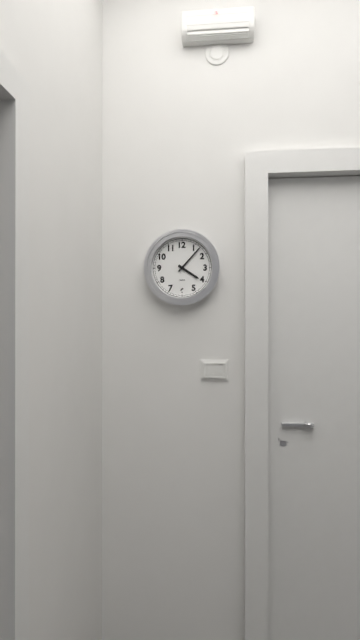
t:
4 h 07 min
